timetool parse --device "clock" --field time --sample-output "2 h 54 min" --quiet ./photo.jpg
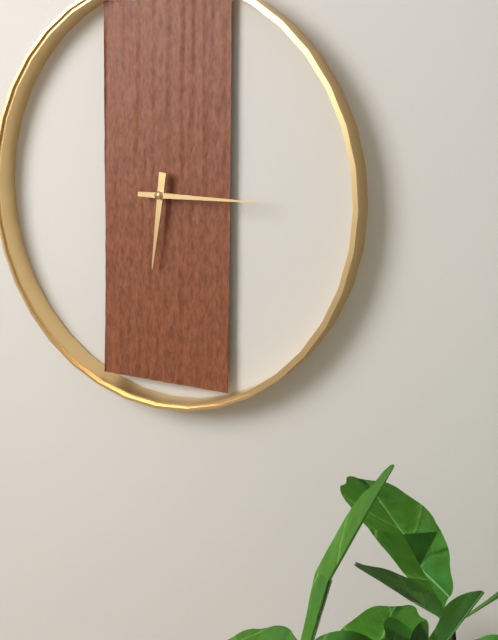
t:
6 h 15 min
